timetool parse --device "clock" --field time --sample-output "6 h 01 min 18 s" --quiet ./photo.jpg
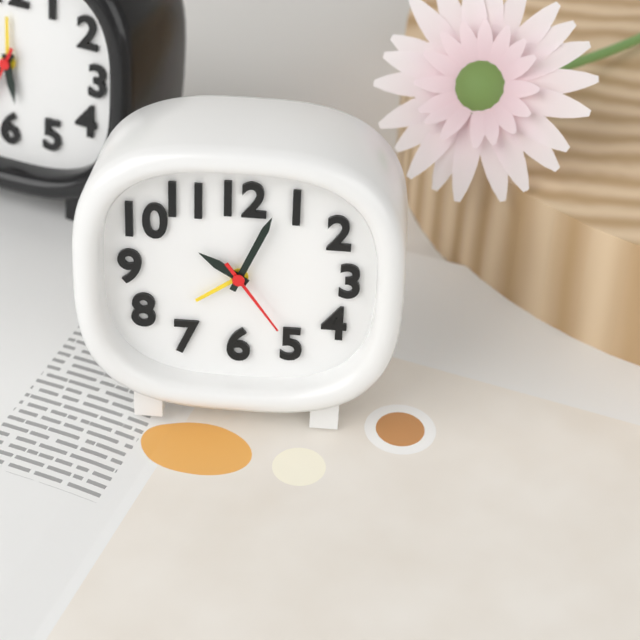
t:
10 h 04 min 24 s
